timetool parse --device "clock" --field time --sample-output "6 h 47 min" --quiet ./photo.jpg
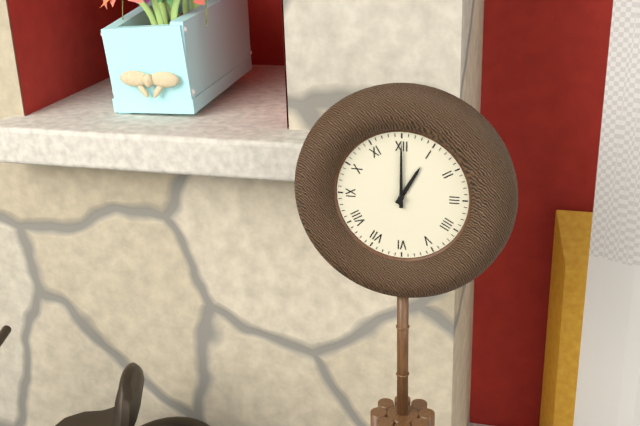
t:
1 h 00 min
